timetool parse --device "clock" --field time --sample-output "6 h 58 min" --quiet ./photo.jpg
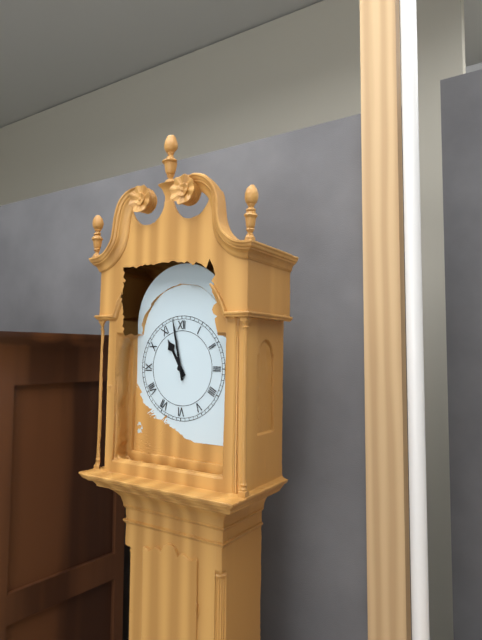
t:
10 h 58 min
